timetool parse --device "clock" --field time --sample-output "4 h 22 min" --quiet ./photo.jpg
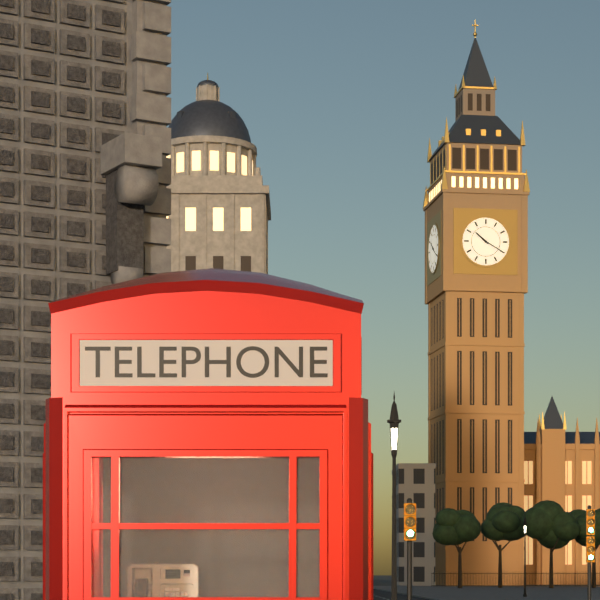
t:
10 h 20 min
